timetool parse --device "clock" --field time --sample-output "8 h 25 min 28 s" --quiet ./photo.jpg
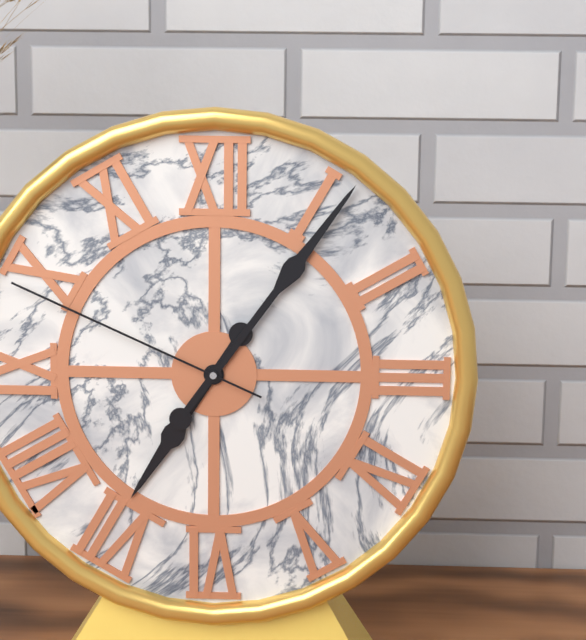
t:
7 h 06 min 49 s
